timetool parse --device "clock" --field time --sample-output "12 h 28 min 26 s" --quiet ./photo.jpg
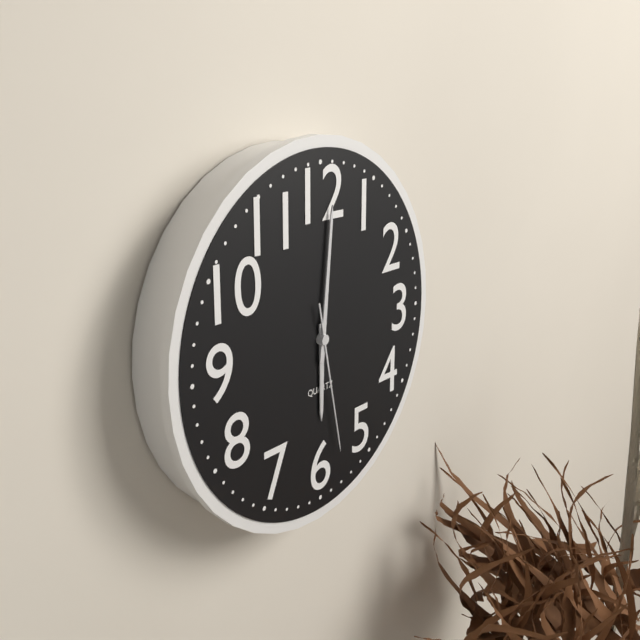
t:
6 h 01 min 28 s
